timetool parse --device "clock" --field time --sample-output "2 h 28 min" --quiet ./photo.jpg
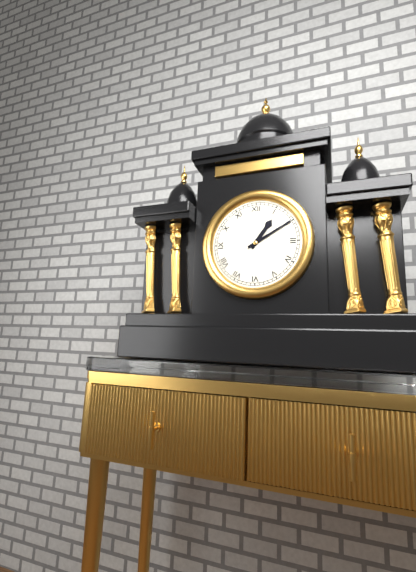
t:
1 h 10 min
